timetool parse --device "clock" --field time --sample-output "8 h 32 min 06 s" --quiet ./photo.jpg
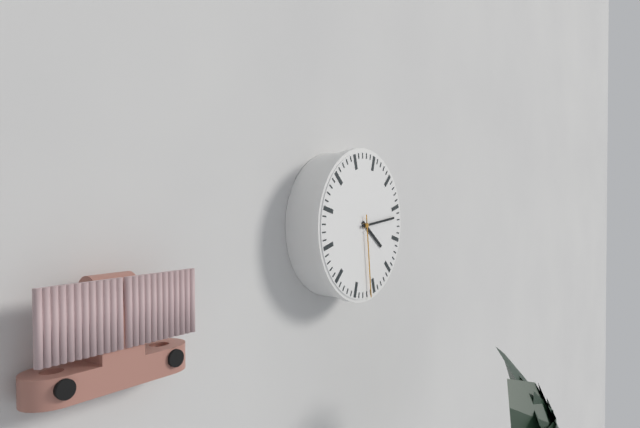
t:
4 h 14 min 29 s
